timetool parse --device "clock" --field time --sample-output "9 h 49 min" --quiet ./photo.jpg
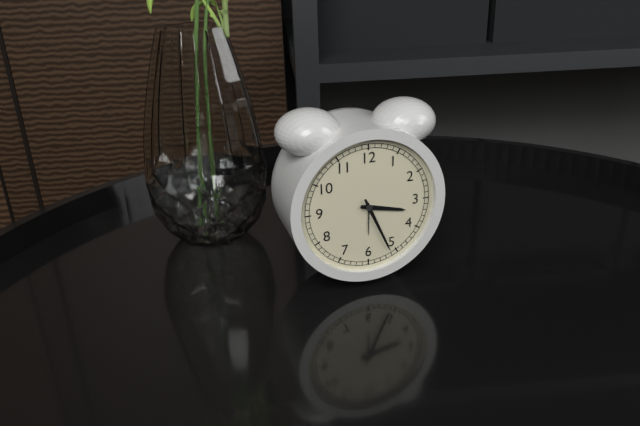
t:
3 h 26 min
